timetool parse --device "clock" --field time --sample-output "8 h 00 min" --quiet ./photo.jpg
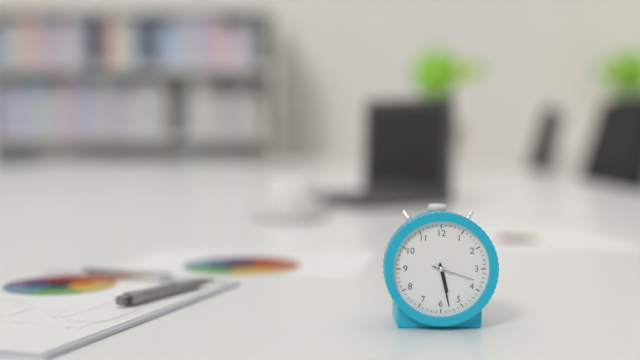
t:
5 h 28 min
